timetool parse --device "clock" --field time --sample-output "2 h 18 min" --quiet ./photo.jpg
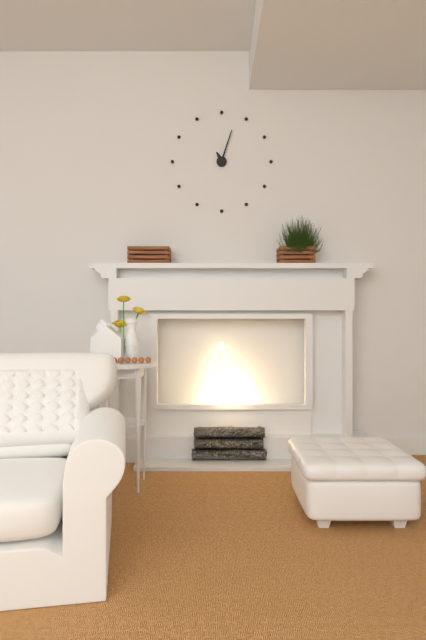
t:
11 h 03 min
